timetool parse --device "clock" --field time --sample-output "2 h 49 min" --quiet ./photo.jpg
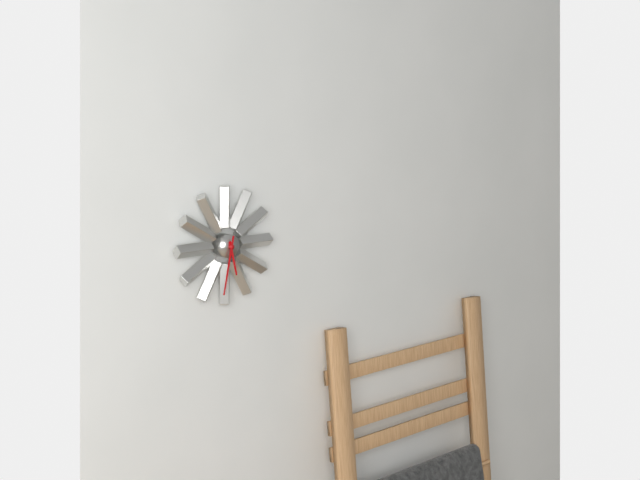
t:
5 h 32 min
